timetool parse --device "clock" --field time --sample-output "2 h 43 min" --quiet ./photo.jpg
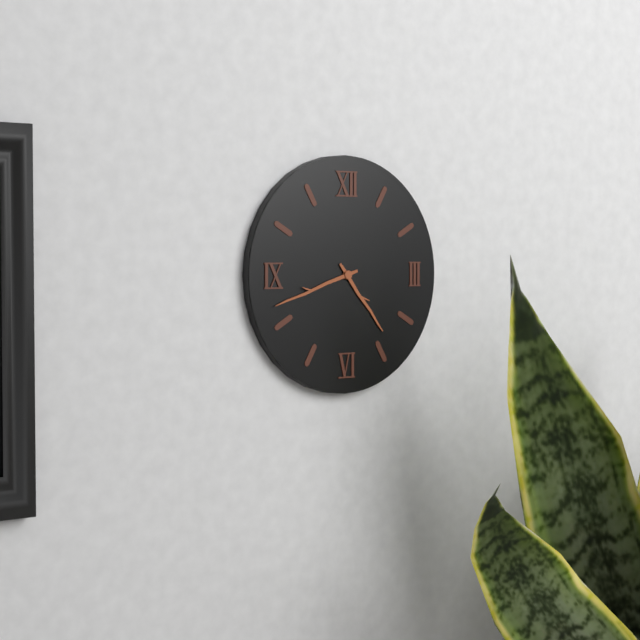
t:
4 h 42 min
